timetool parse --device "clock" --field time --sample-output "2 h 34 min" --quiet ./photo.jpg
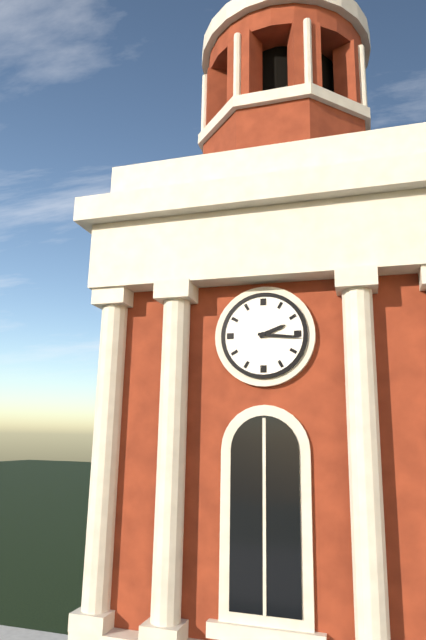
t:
2 h 16 min
